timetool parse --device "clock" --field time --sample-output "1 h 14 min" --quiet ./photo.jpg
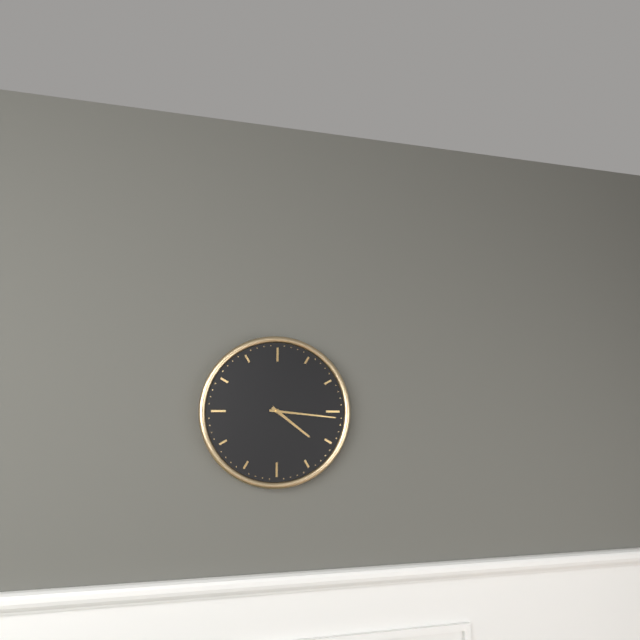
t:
4 h 16 min
